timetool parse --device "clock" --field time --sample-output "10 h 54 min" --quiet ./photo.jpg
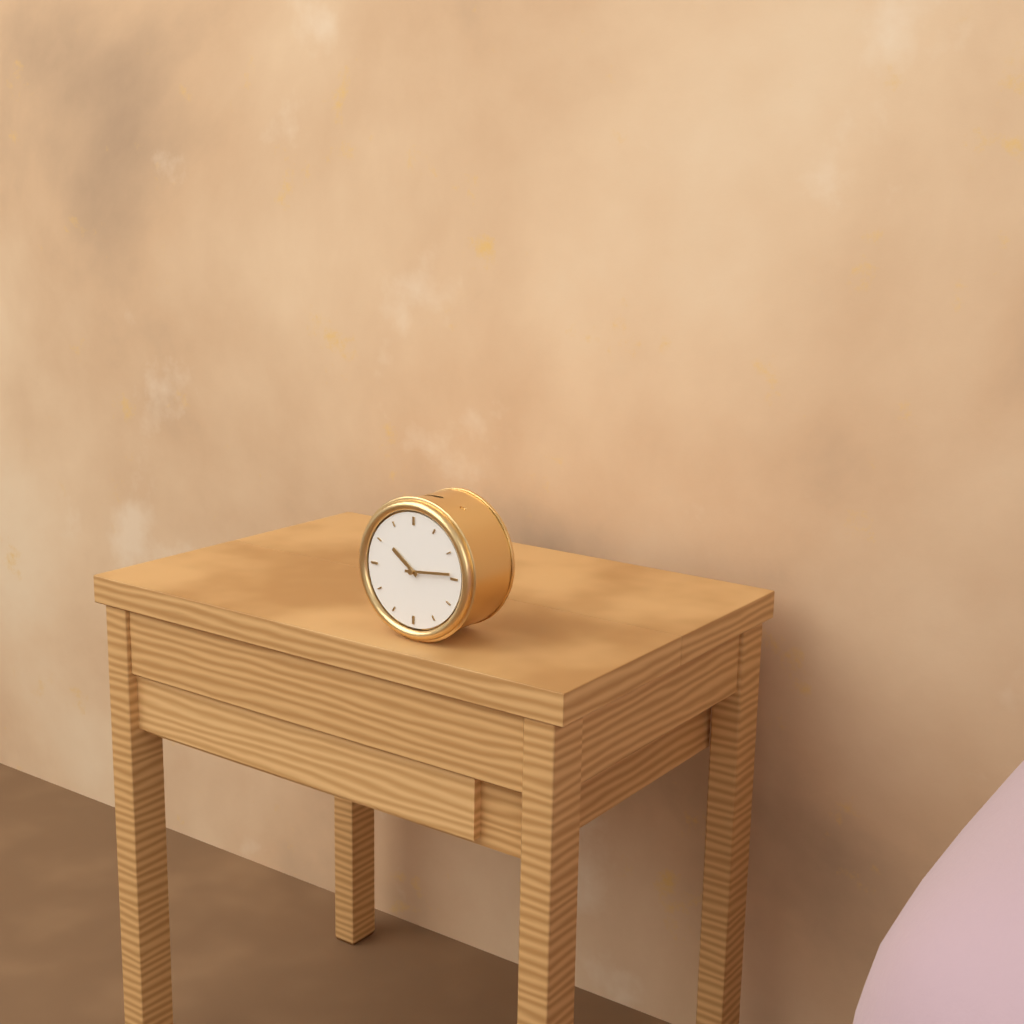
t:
10 h 14 min
